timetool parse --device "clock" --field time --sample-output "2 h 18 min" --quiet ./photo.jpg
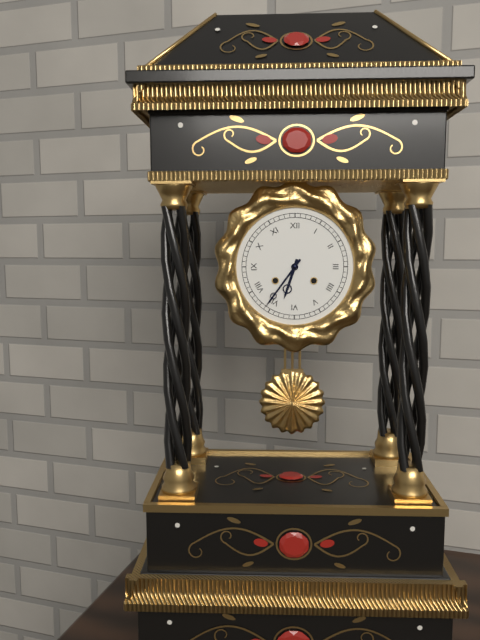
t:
6 h 36 min
